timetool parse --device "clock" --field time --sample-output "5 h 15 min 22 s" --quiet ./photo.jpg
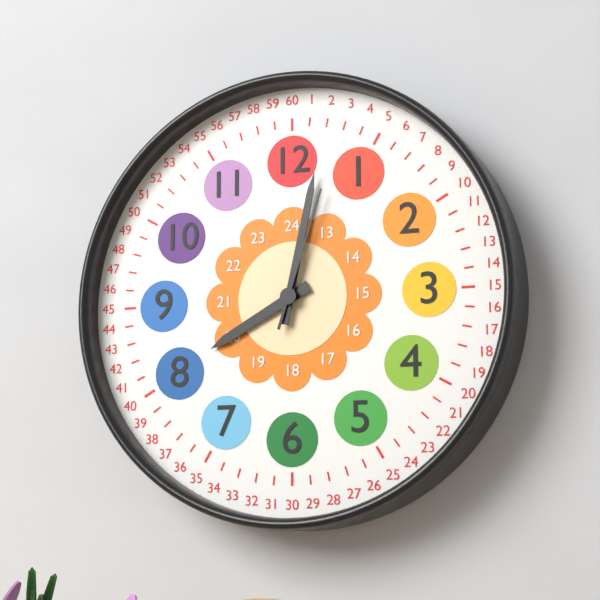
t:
8 h 02 min 03 s
